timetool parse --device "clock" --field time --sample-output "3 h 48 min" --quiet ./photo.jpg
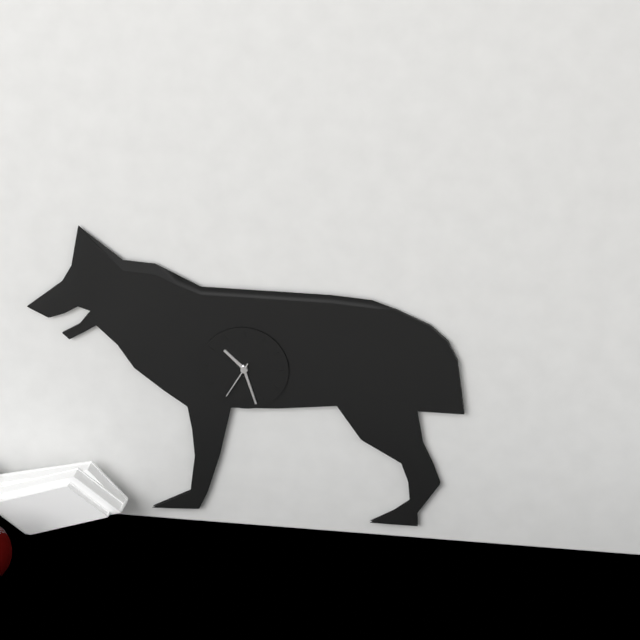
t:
10 h 27 min
